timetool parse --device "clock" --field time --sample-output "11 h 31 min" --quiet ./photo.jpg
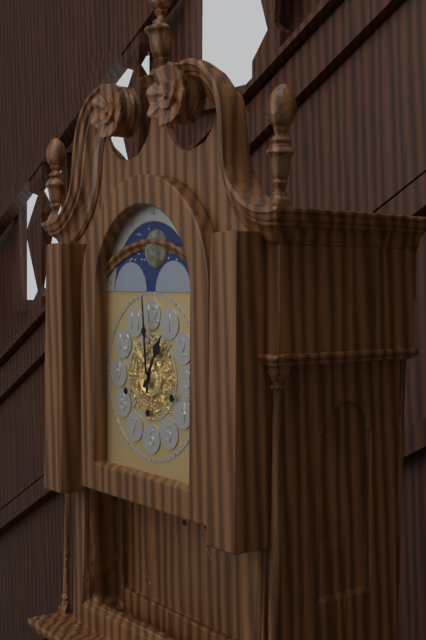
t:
12 h 59 min
